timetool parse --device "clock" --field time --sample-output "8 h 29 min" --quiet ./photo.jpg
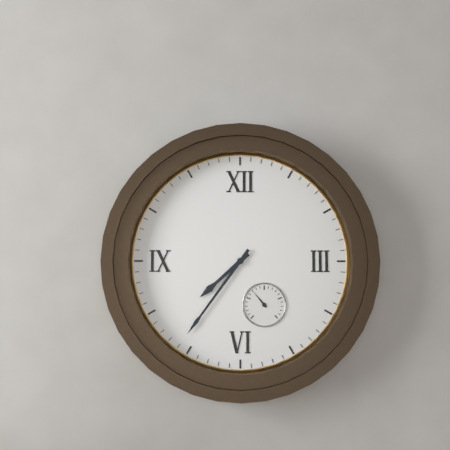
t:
7 h 36 min
